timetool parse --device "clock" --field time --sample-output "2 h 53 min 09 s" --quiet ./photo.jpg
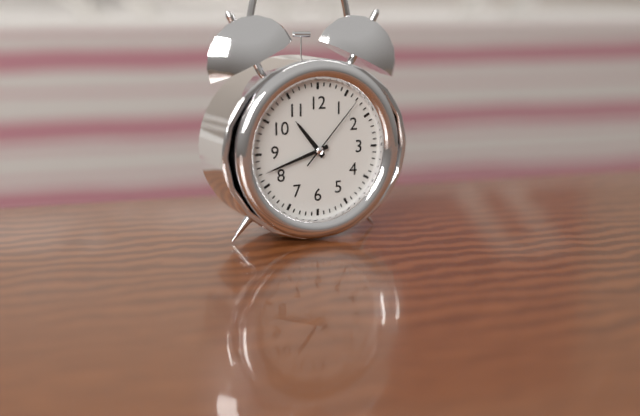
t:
10 h 42 min 07 s
